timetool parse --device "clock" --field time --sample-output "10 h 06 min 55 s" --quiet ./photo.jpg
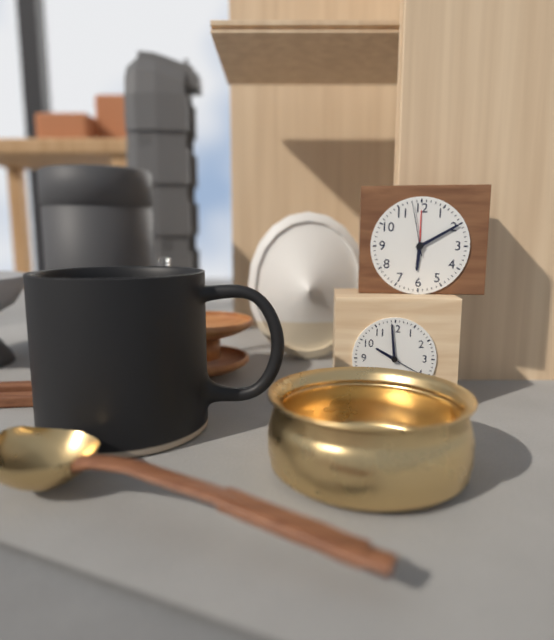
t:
6 h 10 min 58 s
